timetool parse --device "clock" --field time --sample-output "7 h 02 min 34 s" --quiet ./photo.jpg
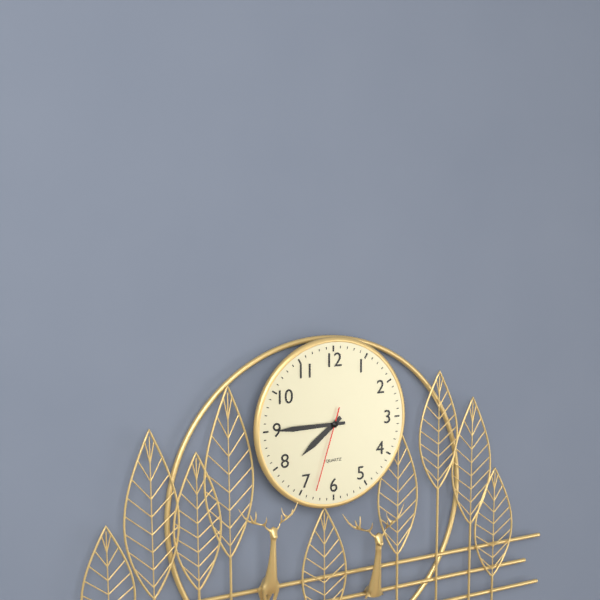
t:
7 h 45 min 33 s
